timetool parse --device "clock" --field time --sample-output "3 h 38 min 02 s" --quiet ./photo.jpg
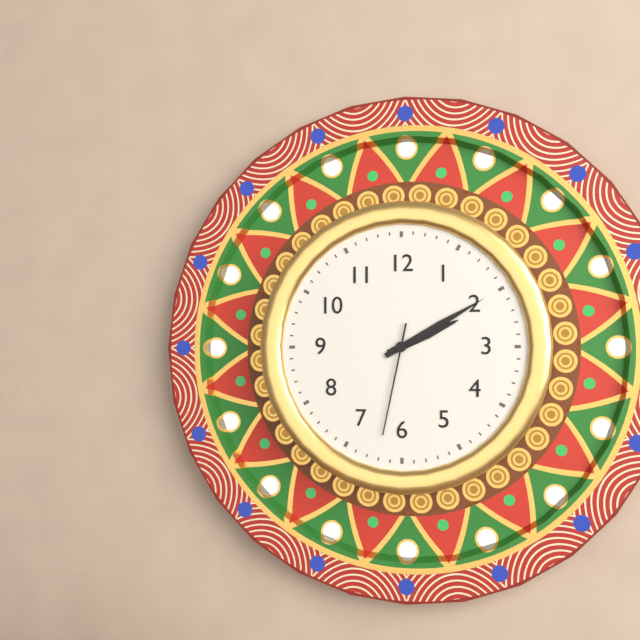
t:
2 h 10 min 32 s
